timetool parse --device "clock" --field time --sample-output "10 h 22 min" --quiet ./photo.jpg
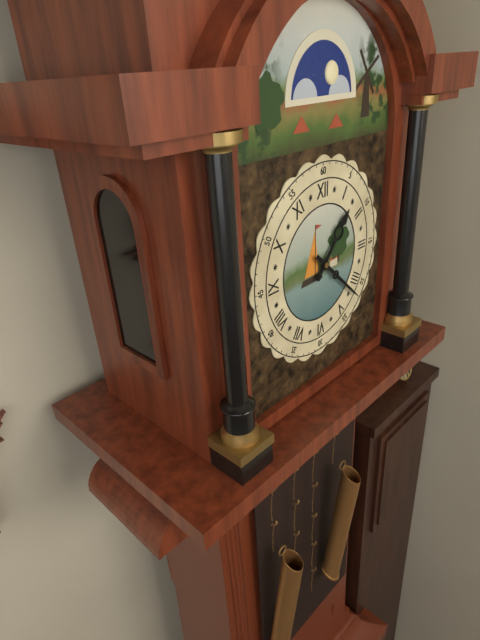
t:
1 h 22 min
